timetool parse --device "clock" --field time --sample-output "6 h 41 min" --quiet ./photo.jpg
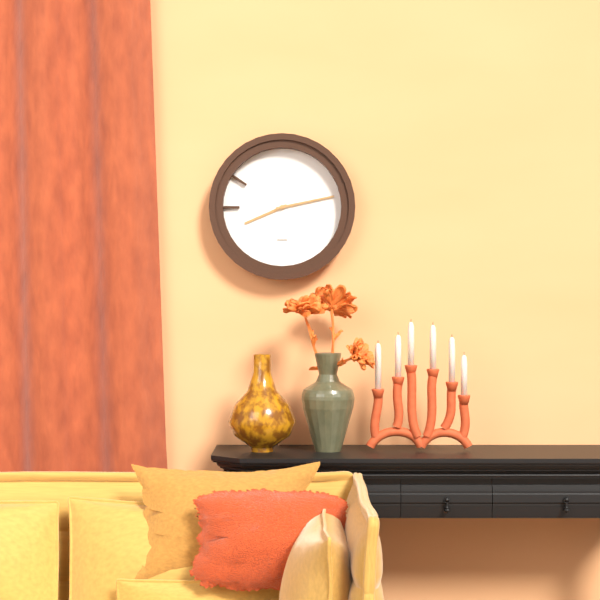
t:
8 h 13 min
